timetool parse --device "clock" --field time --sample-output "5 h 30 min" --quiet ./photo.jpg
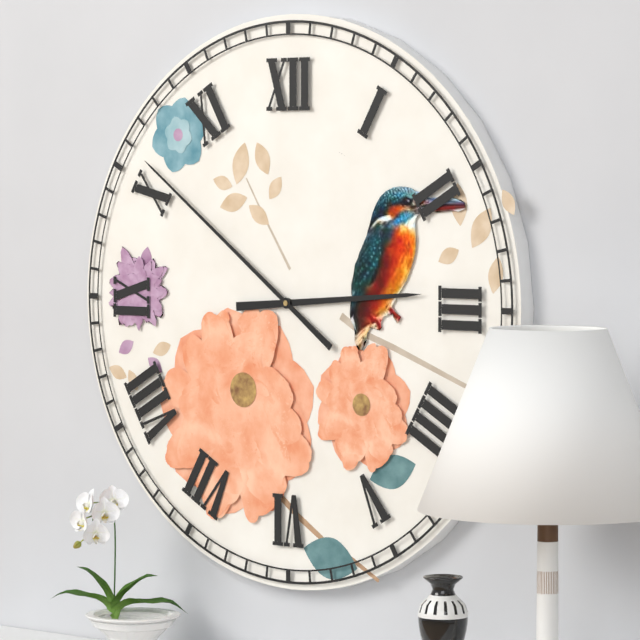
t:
2 h 51 min
